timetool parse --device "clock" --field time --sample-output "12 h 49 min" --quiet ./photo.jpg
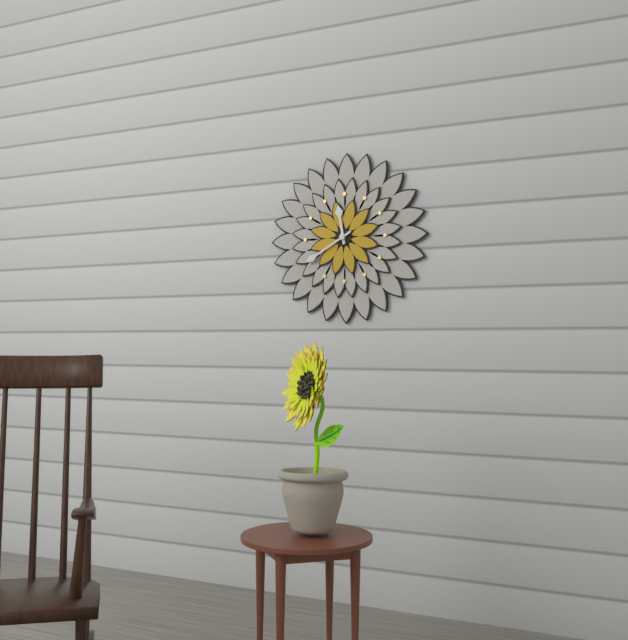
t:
11 h 40 min
